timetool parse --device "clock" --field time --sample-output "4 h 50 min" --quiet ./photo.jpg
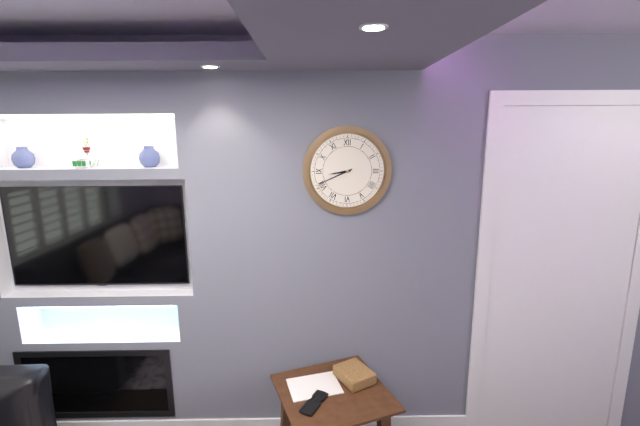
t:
8 h 41 min
